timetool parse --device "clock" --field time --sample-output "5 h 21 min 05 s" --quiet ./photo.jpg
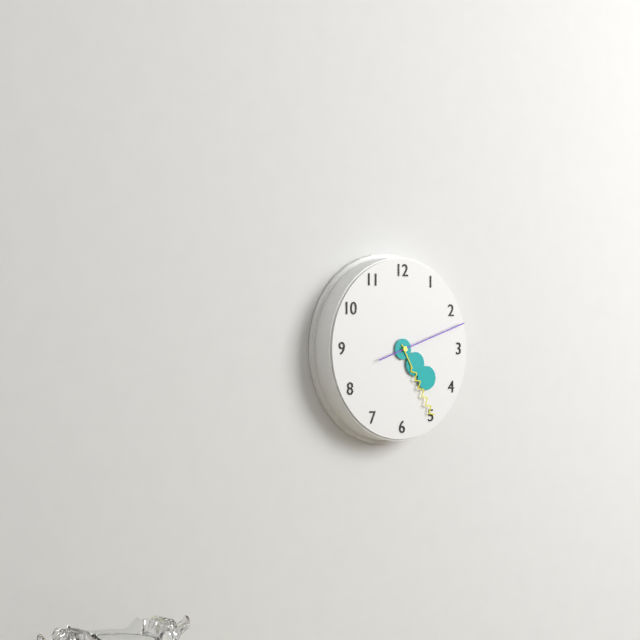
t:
4 h 25 min 12 s
